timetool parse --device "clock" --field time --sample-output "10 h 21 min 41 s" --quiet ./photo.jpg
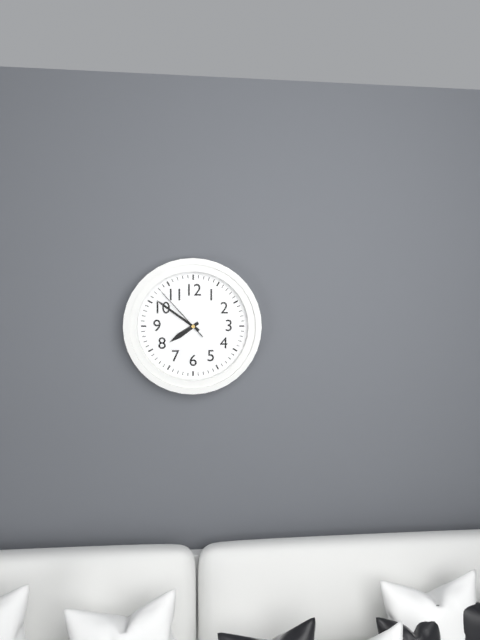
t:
7 h 51 min 53 s
